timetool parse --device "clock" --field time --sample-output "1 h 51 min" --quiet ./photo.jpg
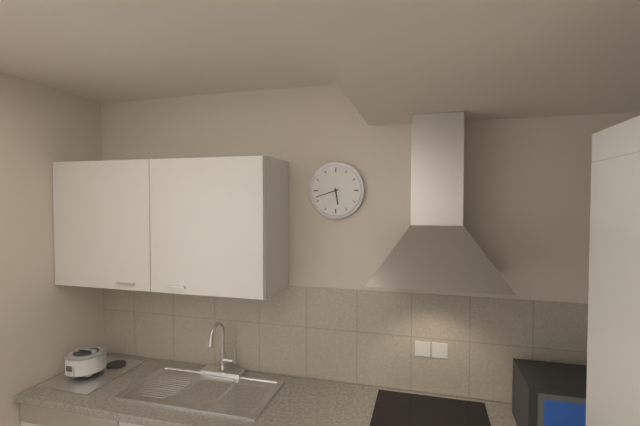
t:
5 h 42 min
